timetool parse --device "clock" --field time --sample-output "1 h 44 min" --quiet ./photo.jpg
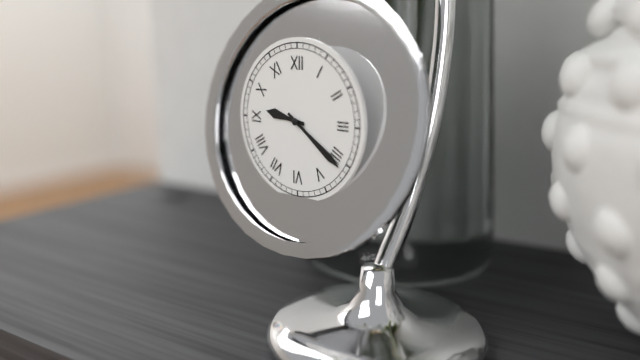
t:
9 h 21 min
